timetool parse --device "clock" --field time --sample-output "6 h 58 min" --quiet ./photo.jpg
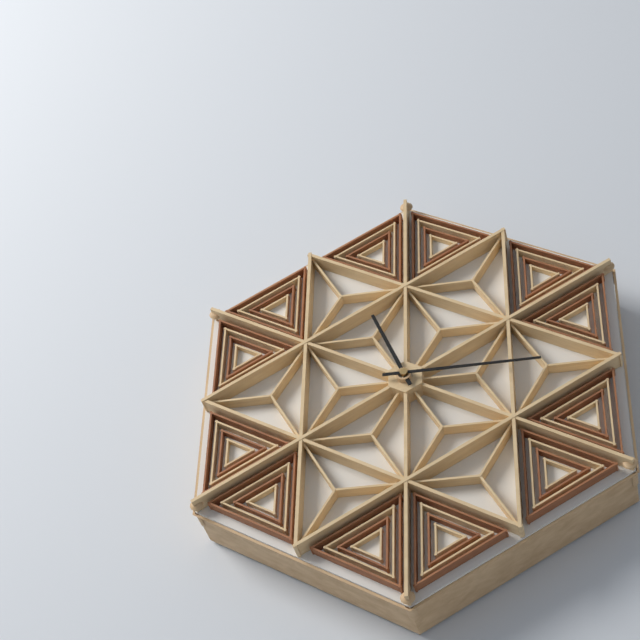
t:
11 h 15 min
